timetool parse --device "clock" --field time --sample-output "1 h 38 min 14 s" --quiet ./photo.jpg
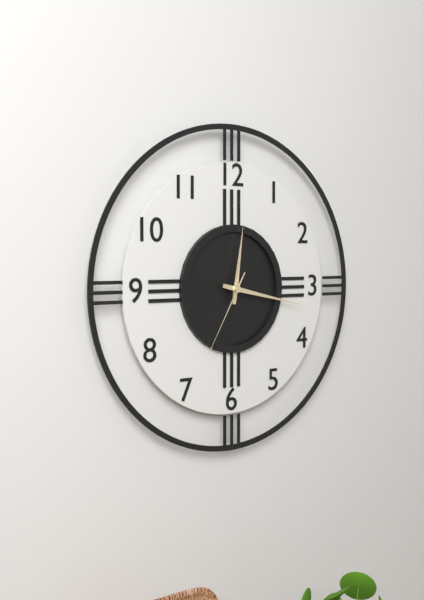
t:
12 h 17 min 35 s
